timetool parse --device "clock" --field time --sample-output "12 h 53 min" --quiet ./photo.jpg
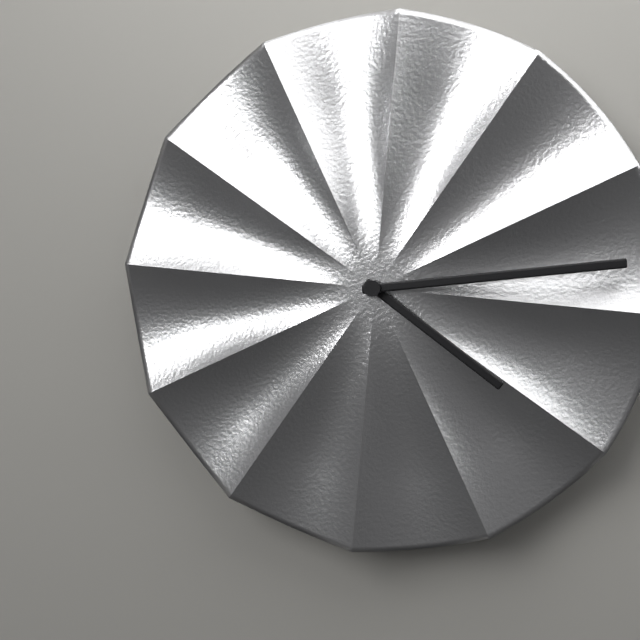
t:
4 h 14 min
